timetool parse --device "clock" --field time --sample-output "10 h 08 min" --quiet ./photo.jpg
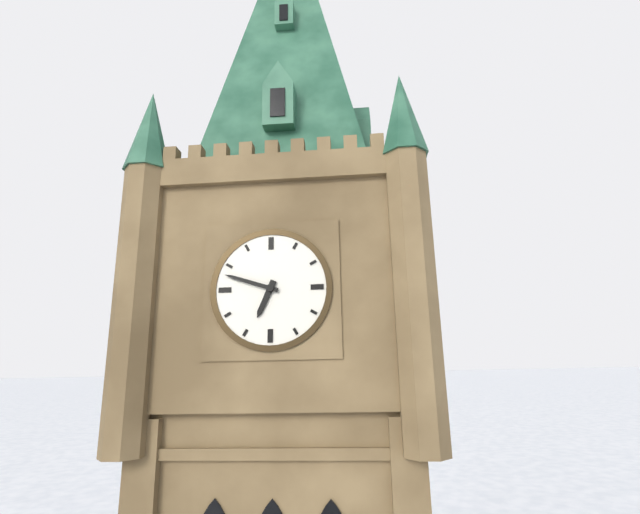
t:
6 h 48 min
